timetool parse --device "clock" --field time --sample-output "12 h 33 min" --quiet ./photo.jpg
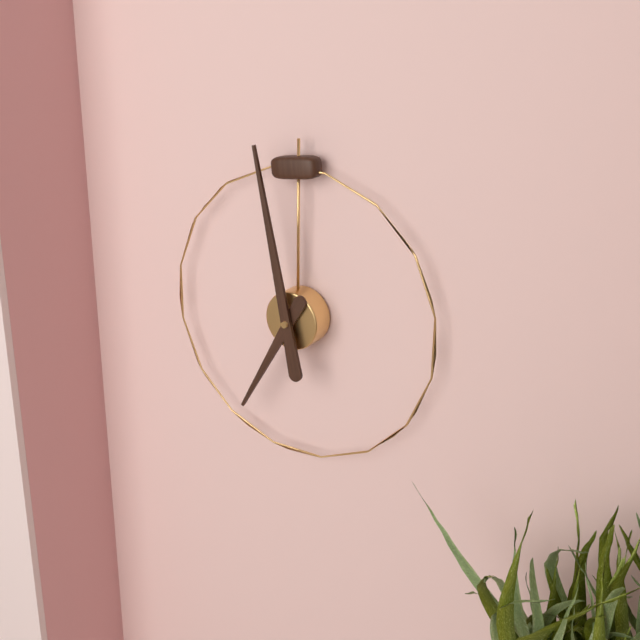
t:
6 h 58 min
